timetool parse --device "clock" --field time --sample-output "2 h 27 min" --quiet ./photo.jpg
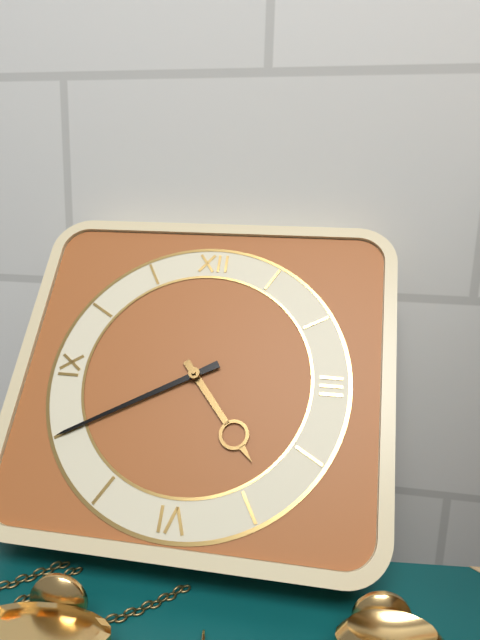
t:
4 h 40 min
